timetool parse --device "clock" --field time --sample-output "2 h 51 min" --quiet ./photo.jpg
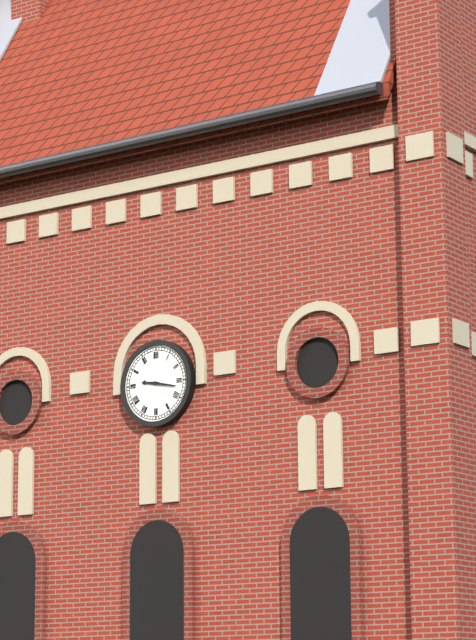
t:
9 h 17 min
